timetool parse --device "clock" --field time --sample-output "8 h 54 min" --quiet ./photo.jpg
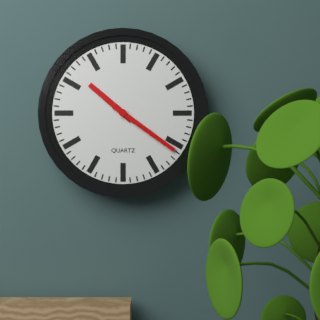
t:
10 h 21 min
